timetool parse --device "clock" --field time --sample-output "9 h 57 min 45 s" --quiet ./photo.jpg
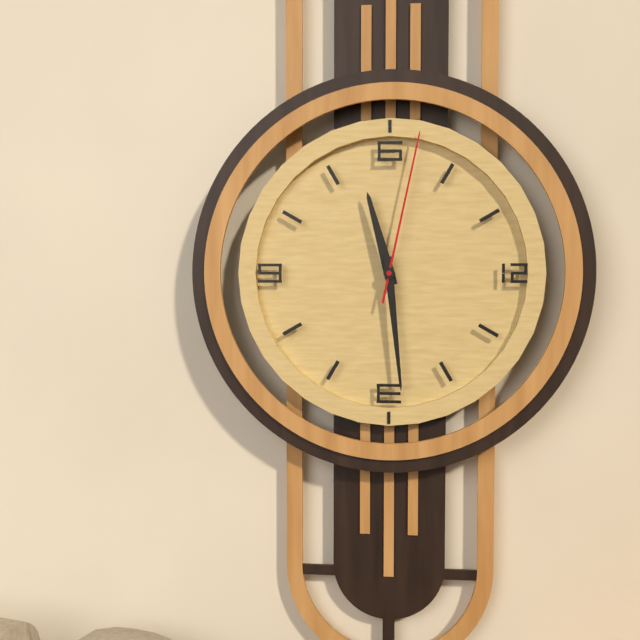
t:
11 h 29 min 02 s
